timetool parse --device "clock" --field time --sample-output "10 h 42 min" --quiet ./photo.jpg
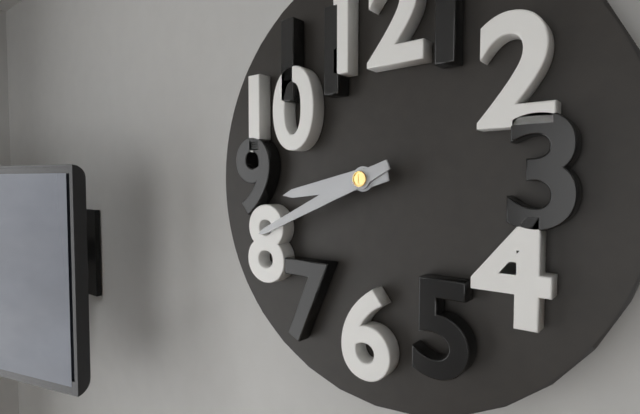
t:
8 h 41 min
